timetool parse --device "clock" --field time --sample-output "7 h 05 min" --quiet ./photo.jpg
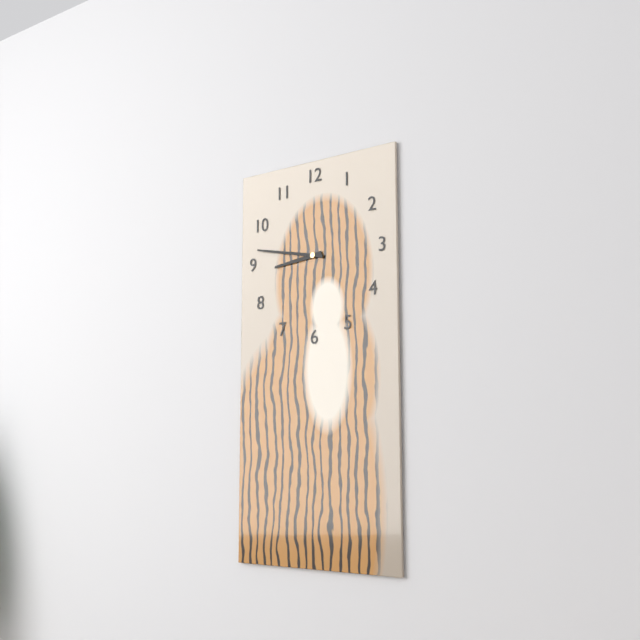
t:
8 h 47 min
